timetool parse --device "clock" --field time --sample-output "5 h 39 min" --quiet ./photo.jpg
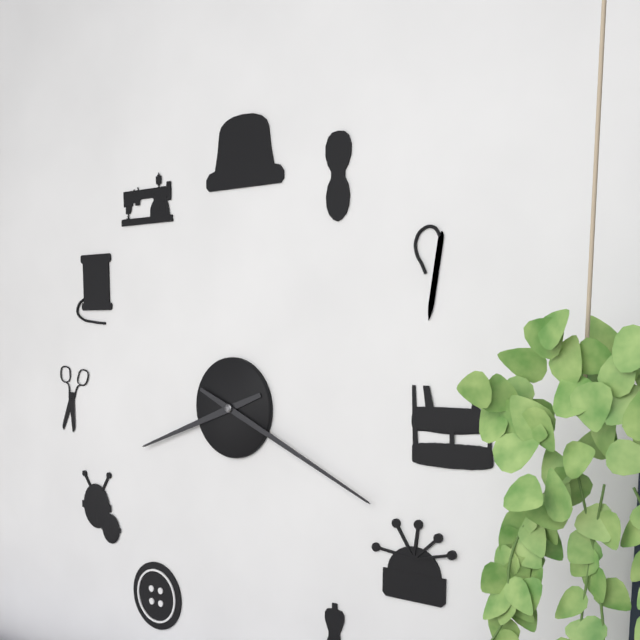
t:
8 h 19 min
